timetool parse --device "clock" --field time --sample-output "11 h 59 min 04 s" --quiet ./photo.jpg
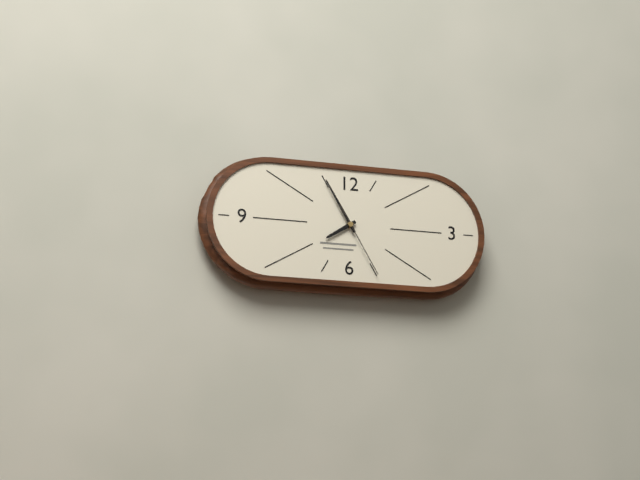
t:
7 h 55 min 25 s
